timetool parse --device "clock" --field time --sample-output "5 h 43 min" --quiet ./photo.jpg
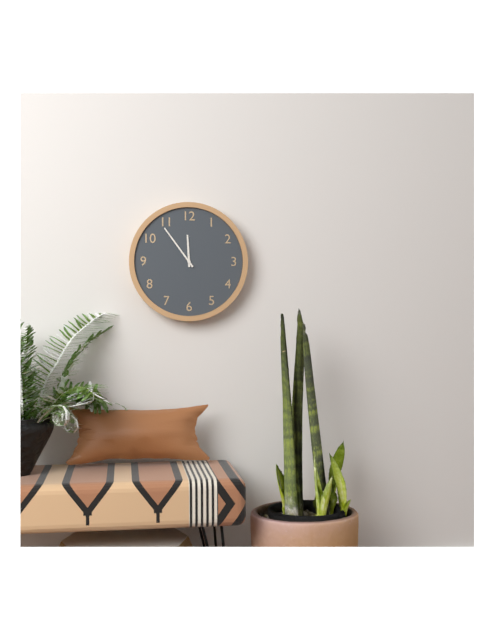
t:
11 h 54 min
